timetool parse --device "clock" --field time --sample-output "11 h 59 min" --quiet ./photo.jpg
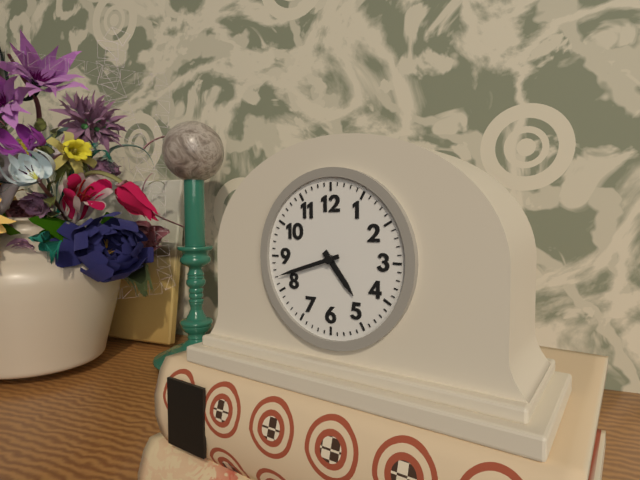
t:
4 h 42 min
